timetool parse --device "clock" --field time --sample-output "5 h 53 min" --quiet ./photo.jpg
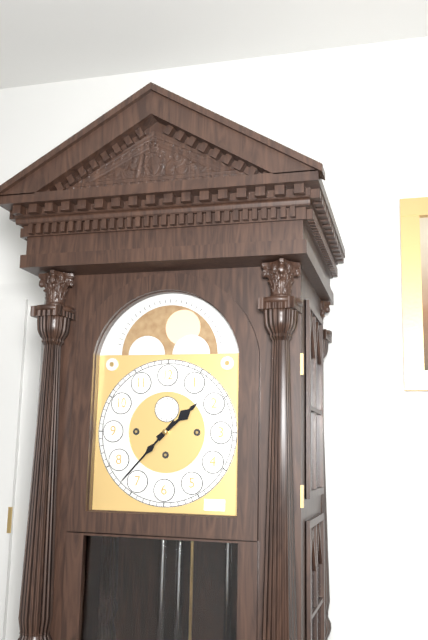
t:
1 h 37 min
